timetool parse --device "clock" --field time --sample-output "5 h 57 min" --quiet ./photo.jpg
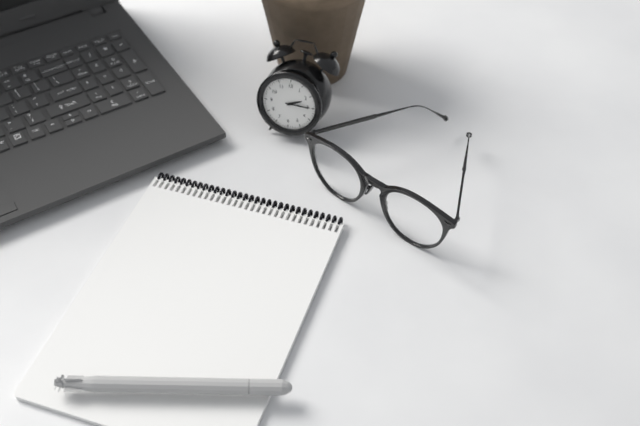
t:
2 h 15 min
